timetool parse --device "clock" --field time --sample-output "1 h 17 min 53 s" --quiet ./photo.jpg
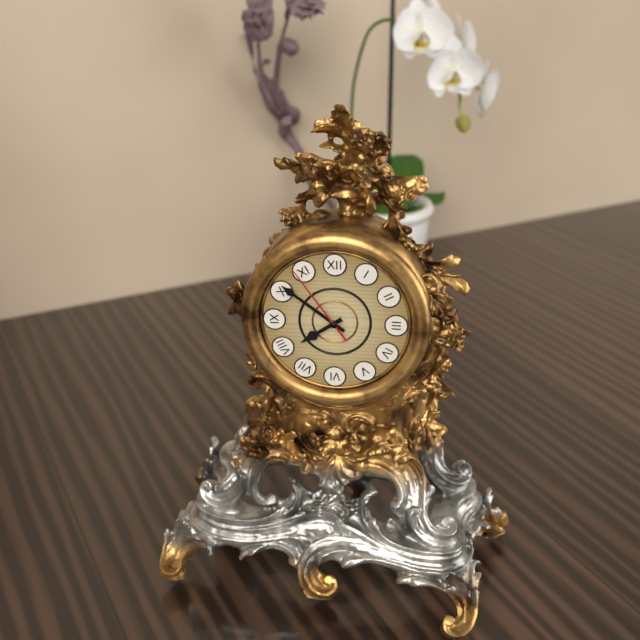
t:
7 h 51 min 54 s
